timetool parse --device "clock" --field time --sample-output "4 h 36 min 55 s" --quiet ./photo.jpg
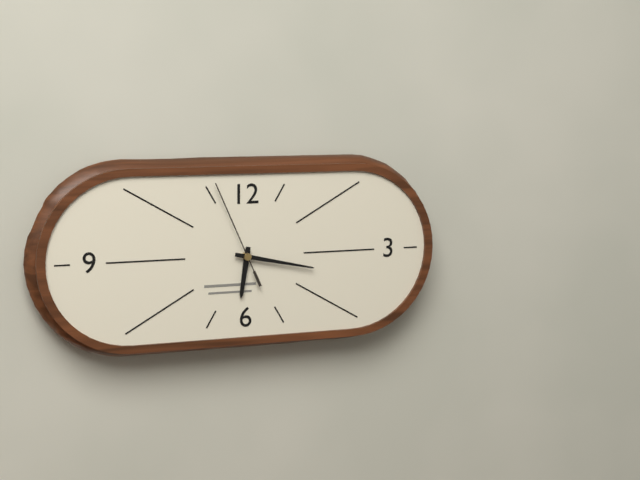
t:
6 h 17 min 56 s
